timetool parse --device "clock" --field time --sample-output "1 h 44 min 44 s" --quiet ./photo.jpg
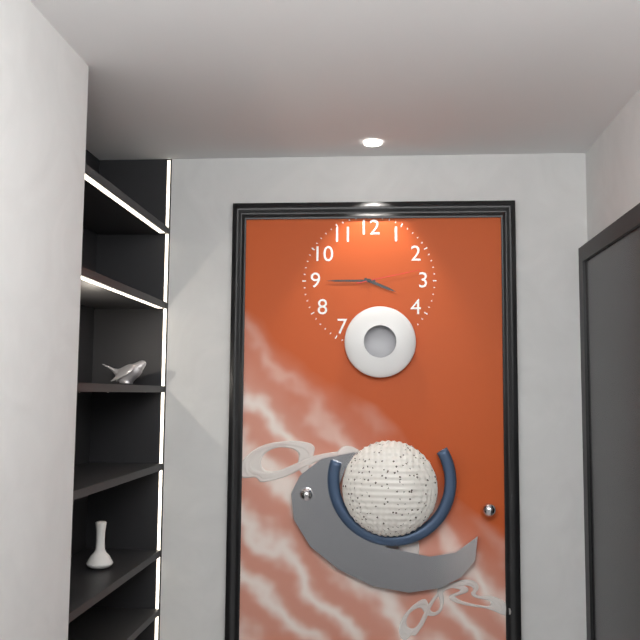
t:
3 h 45 min 13 s
